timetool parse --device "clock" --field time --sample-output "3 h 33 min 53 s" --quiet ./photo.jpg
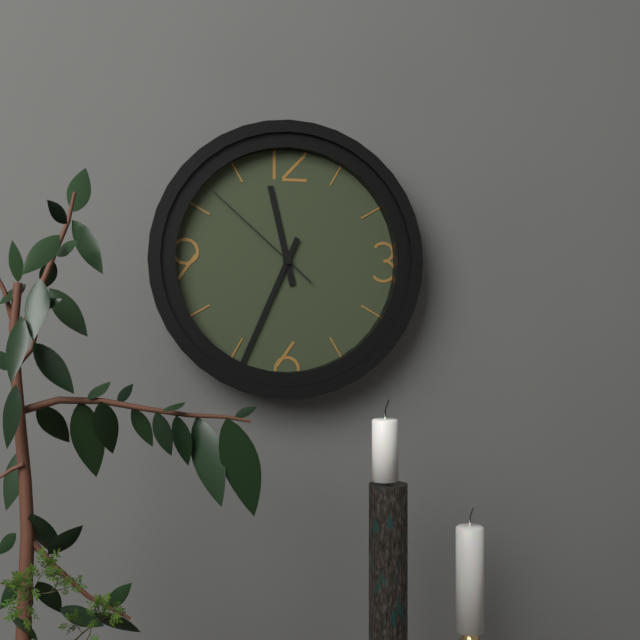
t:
11 h 34 min 52 s
